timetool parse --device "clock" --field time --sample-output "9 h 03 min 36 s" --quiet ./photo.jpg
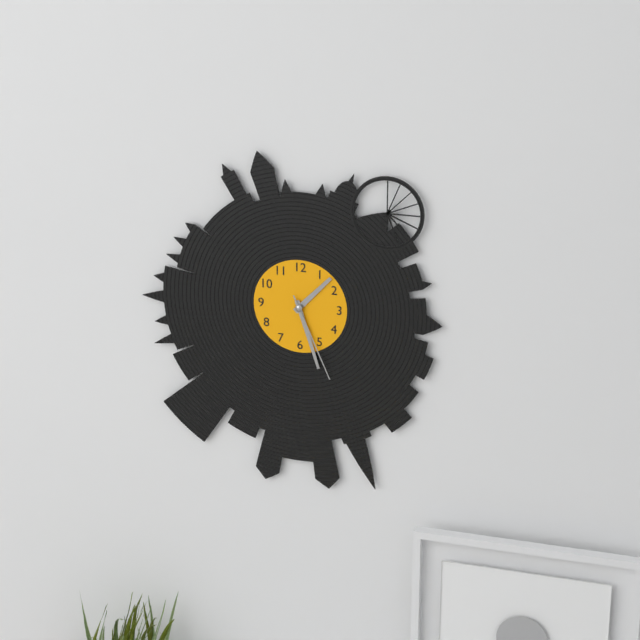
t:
1 h 27 min 26 s
